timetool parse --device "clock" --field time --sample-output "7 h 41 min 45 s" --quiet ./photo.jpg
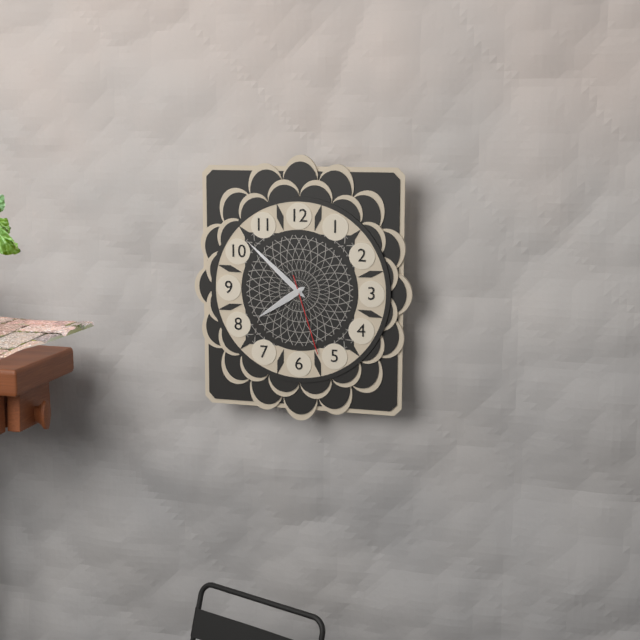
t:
7 h 52 min 27 s
